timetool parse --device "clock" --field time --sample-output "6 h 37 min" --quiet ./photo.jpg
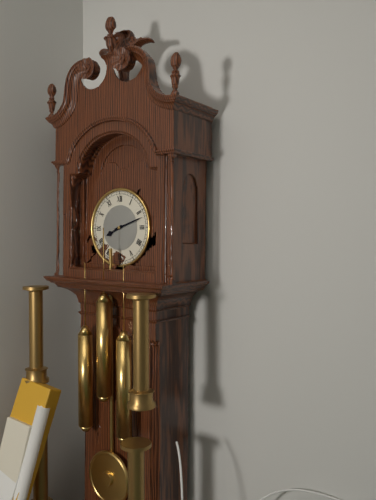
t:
8 h 12 min
